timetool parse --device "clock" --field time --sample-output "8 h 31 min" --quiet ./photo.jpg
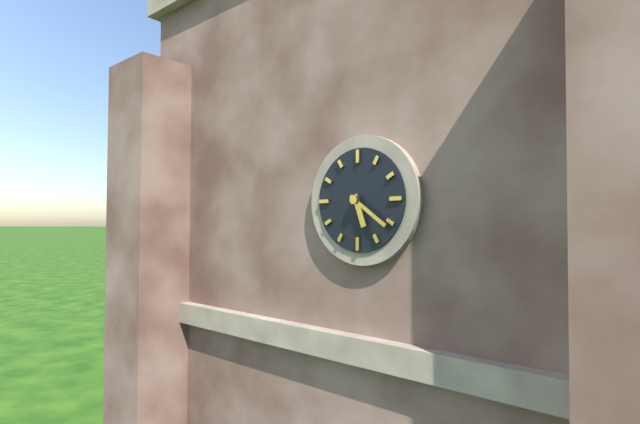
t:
5 h 21 min
